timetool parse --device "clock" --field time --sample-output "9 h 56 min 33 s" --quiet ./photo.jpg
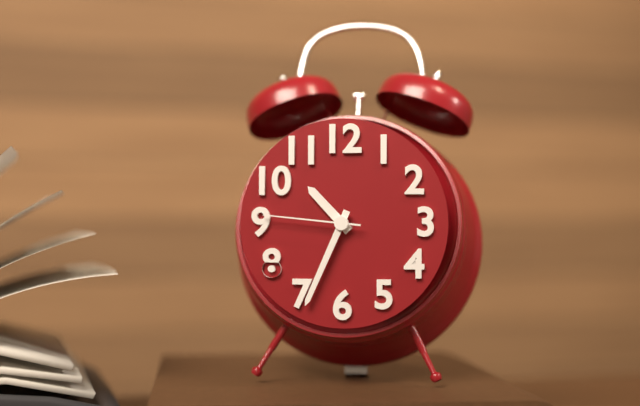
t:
10 h 34 min 46 s
